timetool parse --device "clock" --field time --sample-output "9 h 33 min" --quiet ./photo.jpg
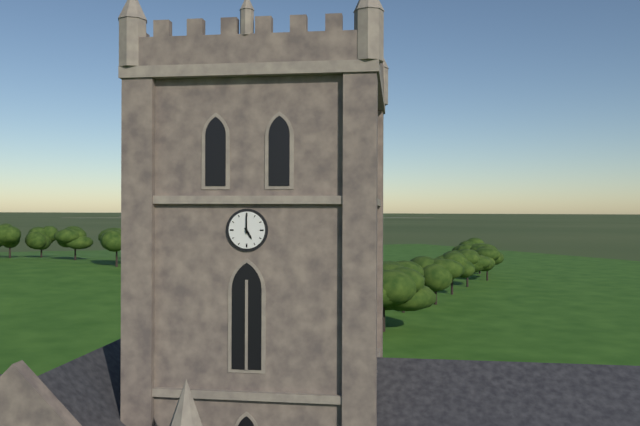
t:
5 h 00 min
